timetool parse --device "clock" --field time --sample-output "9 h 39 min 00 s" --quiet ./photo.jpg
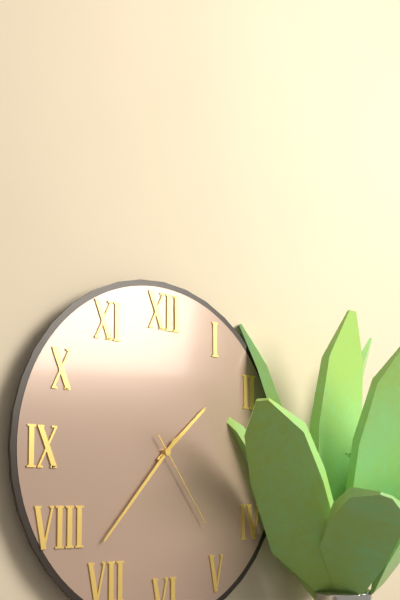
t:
1 h 37 min 24 s
